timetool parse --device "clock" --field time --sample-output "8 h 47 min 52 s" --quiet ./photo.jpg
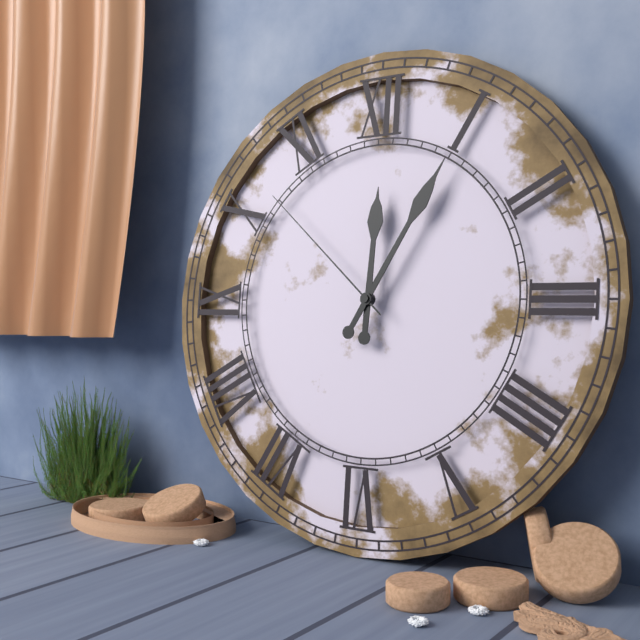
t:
12 h 05 min 52 s
